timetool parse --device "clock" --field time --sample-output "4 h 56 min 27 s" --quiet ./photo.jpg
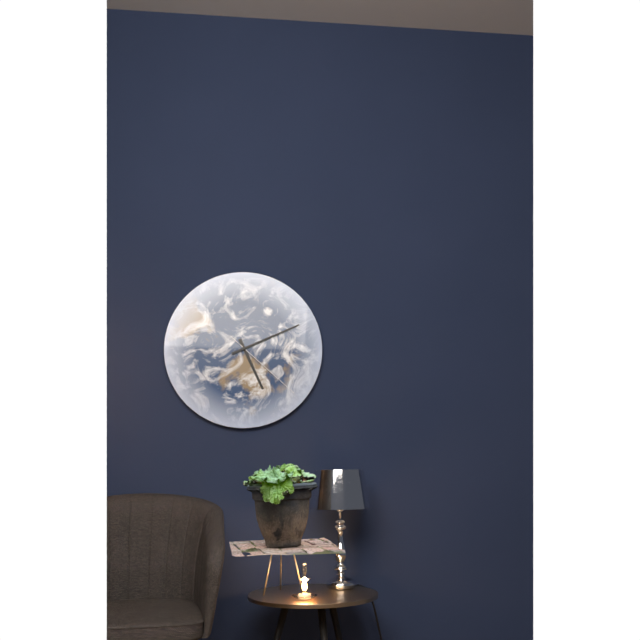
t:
5 h 11 min 22 s
